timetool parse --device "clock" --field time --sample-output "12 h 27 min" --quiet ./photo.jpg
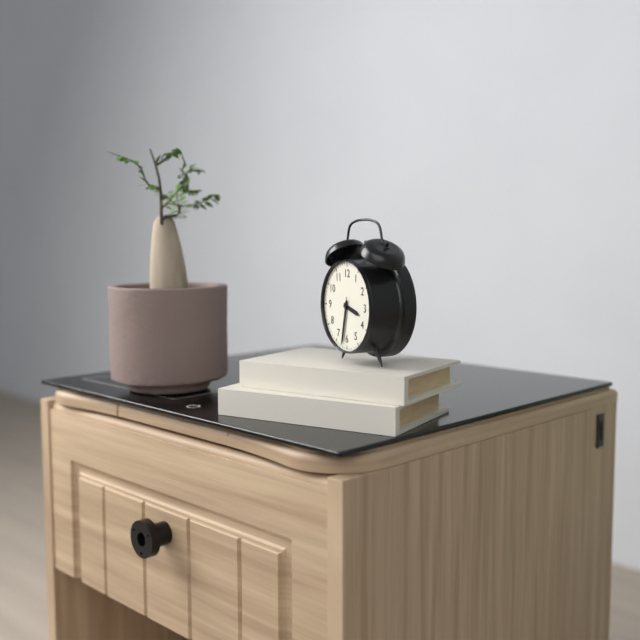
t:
3 h 32 min
